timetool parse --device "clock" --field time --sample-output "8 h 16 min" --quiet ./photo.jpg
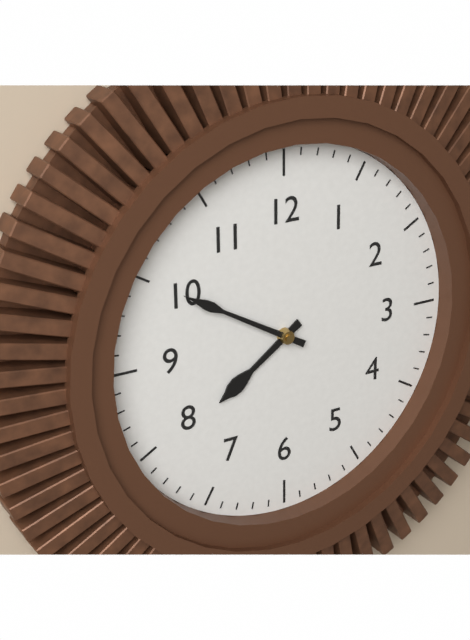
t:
7 h 50 min
